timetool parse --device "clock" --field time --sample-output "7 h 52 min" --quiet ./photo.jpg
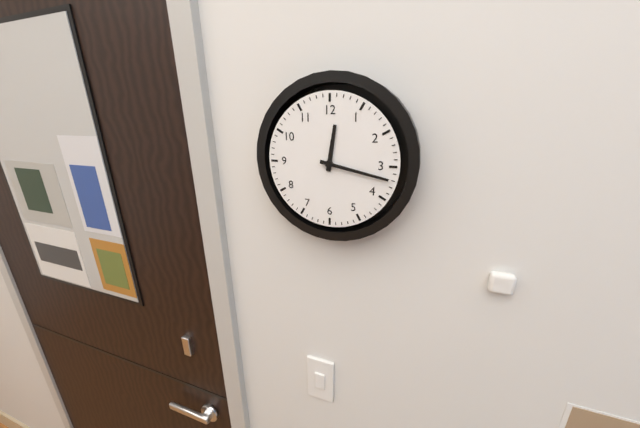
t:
12 h 17 min
